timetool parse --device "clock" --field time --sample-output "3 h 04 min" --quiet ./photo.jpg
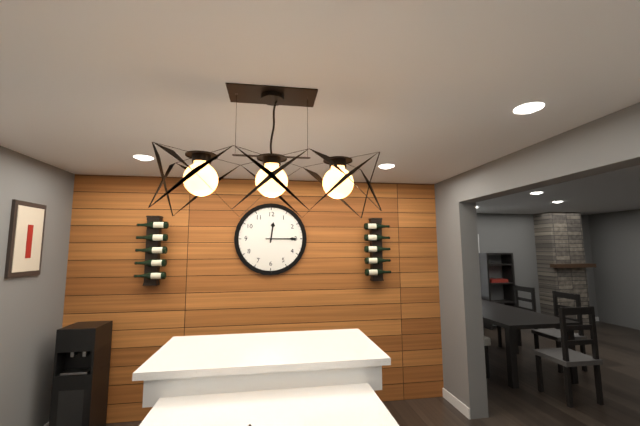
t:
12 h 15 min
